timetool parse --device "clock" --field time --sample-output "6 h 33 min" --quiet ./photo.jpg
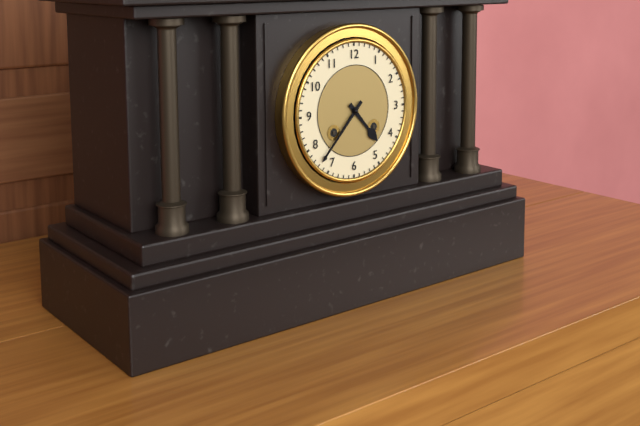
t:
4 h 37 min
